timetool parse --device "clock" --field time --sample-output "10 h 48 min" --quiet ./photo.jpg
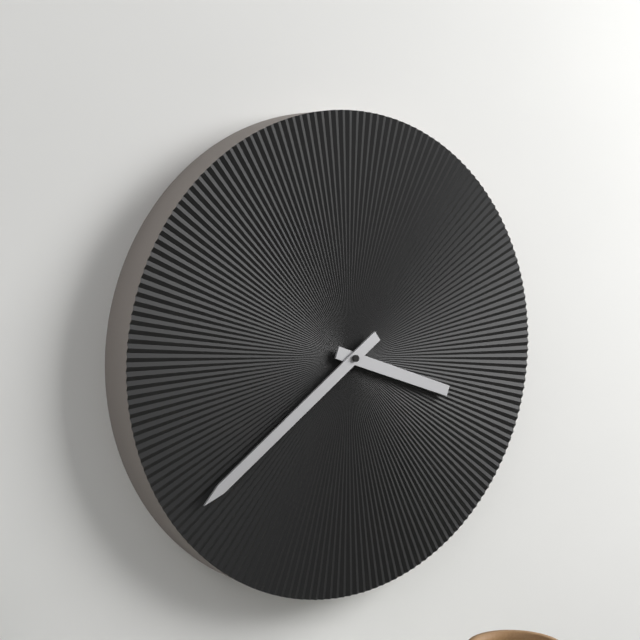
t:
3 h 39 min
